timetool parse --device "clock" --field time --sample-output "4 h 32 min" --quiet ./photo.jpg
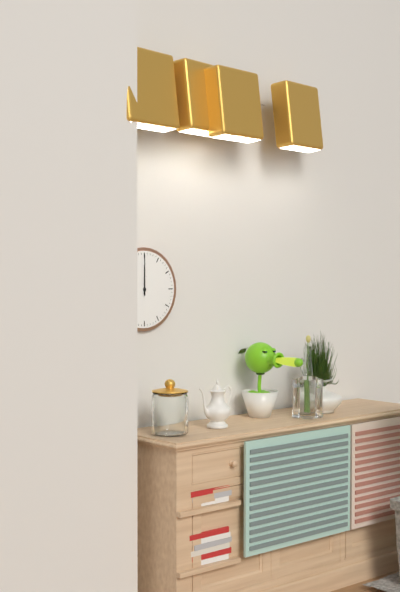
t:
12 h 00 min
